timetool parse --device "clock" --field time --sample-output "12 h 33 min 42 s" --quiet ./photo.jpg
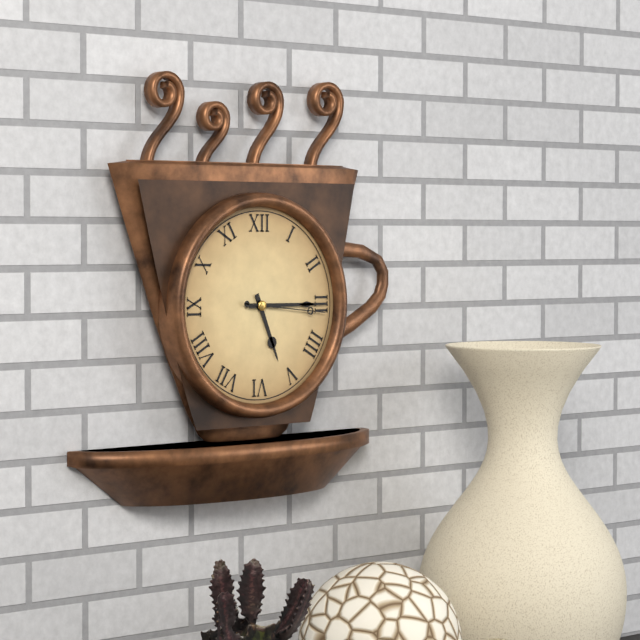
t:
5 h 15 min 16 s
